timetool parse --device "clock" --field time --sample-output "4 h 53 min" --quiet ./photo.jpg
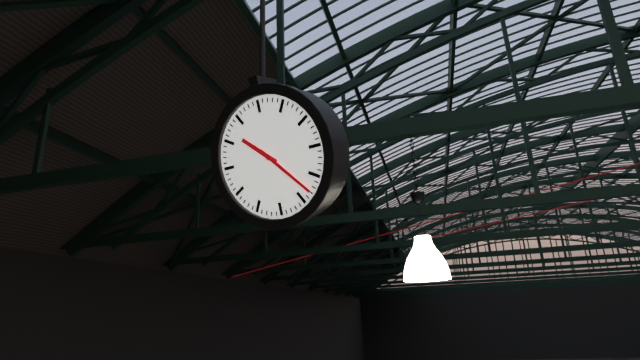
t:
10 h 23 min
